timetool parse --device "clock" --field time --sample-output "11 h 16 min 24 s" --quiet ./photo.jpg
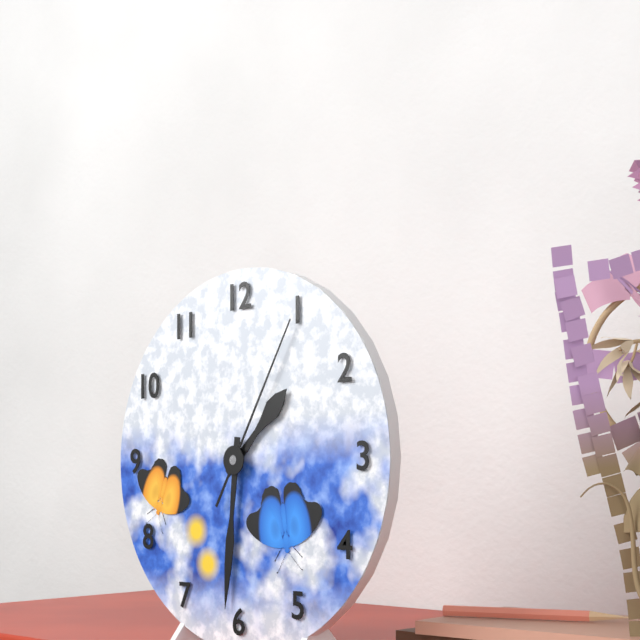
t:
1 h 31 min 05 s
